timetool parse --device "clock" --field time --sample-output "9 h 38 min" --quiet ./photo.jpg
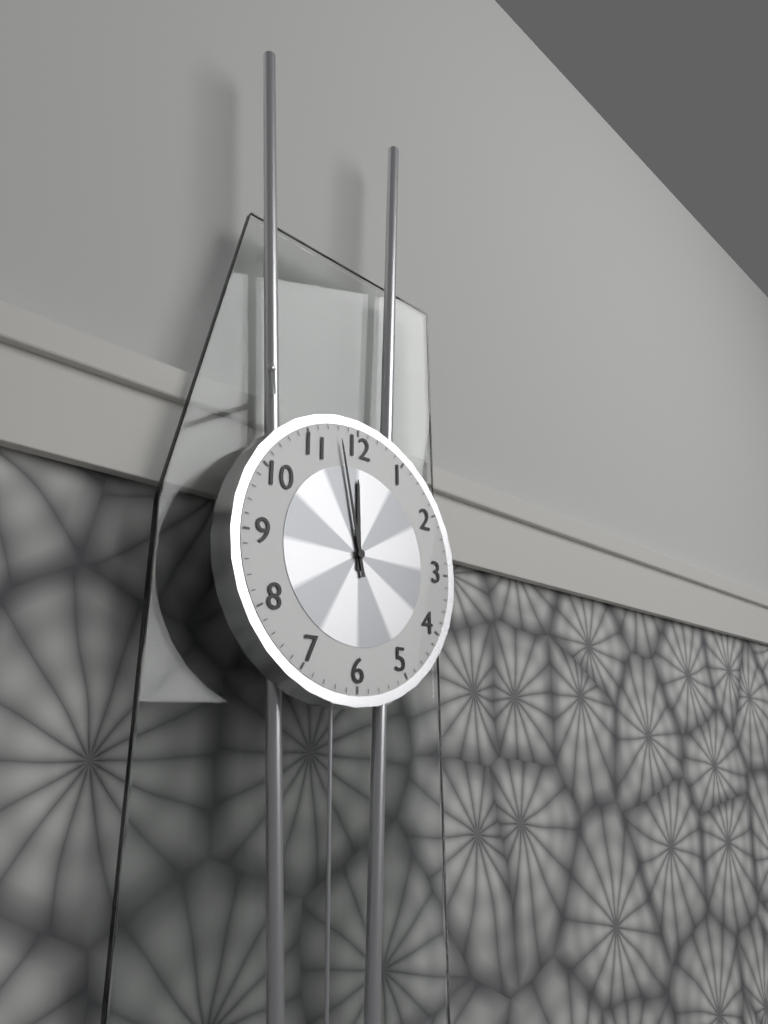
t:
11 h 58 min
